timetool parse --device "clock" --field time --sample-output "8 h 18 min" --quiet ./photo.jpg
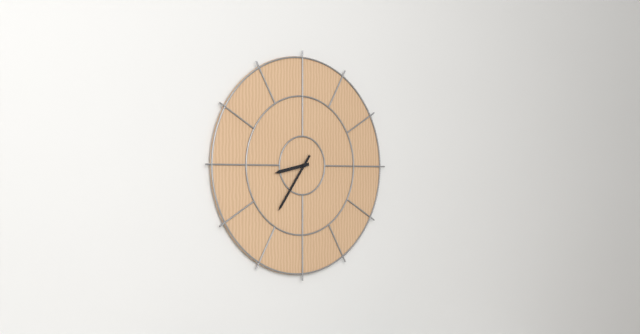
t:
8 h 36 min
